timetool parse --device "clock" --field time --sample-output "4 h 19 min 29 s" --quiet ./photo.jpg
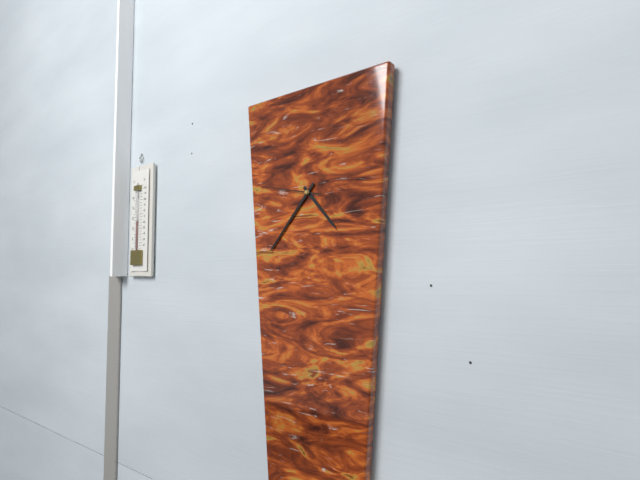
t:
4 h 37 min 47 s
